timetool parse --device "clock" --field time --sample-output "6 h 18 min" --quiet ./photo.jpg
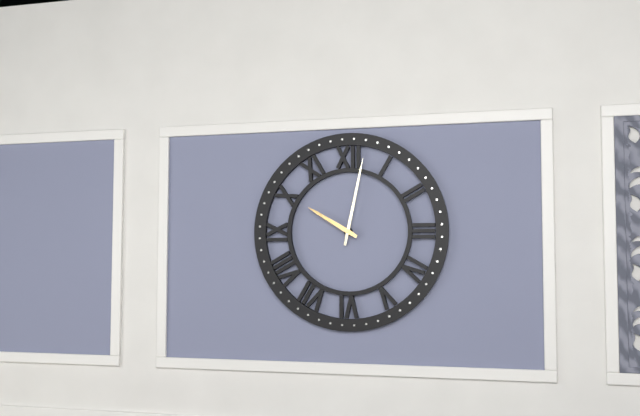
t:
10 h 02 min
